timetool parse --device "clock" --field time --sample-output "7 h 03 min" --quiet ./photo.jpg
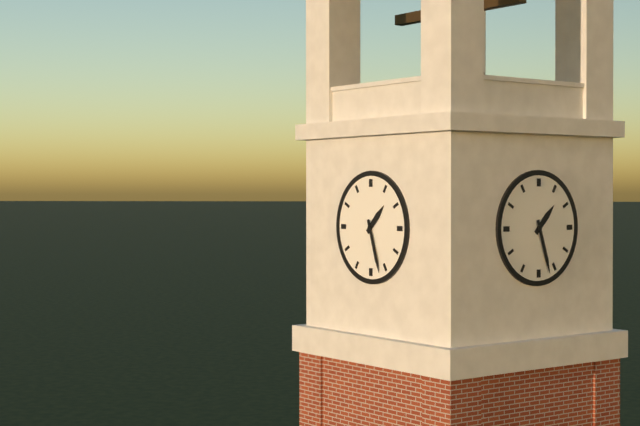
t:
1 h 27 min
